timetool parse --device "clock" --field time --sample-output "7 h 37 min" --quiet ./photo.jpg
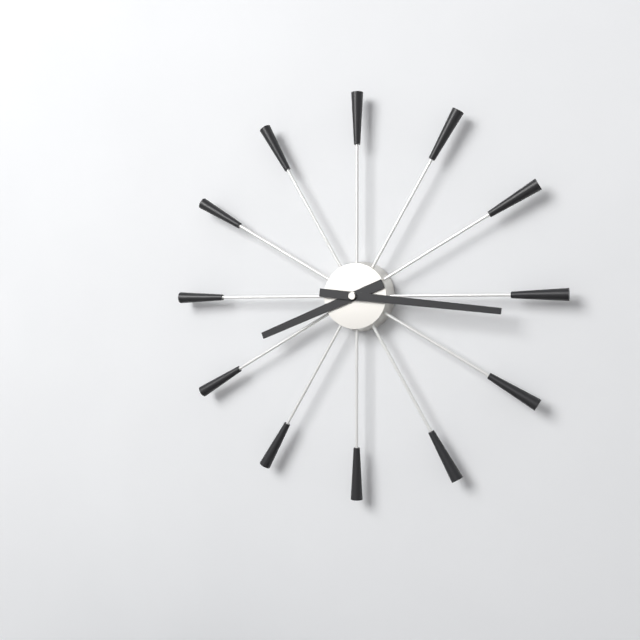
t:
8 h 16 min
